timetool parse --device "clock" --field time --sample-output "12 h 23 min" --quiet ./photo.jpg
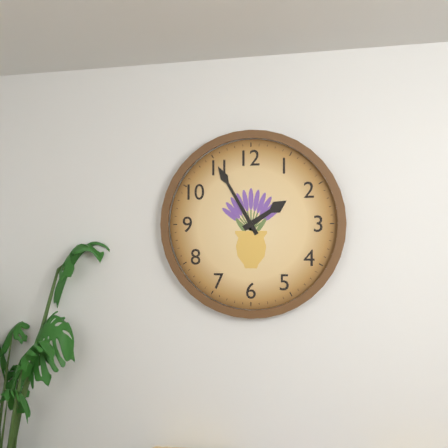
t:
1 h 55 min
